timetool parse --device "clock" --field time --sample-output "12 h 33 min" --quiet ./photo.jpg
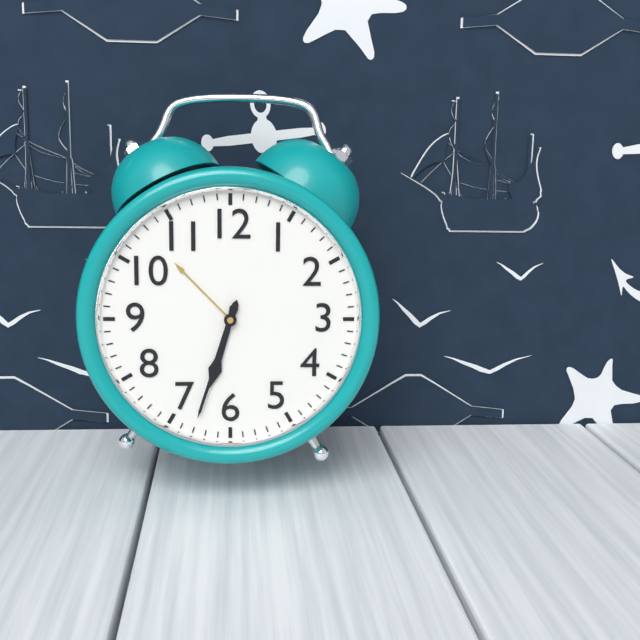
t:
6 h 33 min
